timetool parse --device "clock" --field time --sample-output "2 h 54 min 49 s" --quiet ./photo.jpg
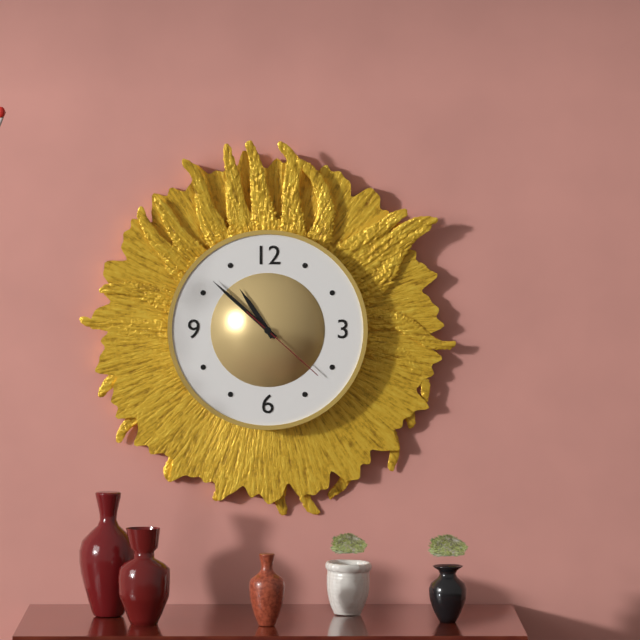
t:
10 h 52 min 22 s
